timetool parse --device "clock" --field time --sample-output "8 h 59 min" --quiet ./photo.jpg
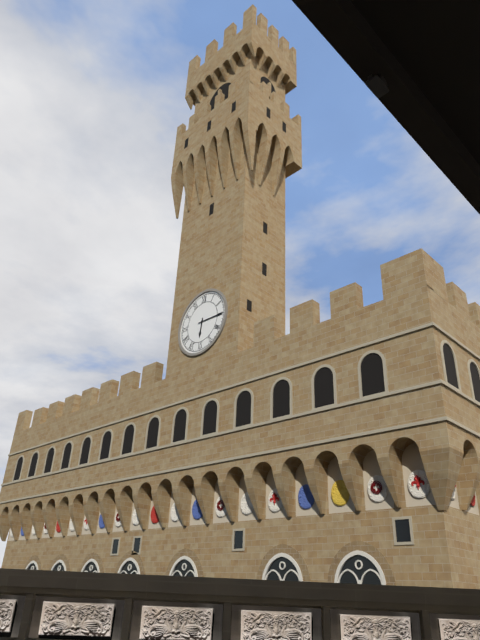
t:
6 h 15 min
